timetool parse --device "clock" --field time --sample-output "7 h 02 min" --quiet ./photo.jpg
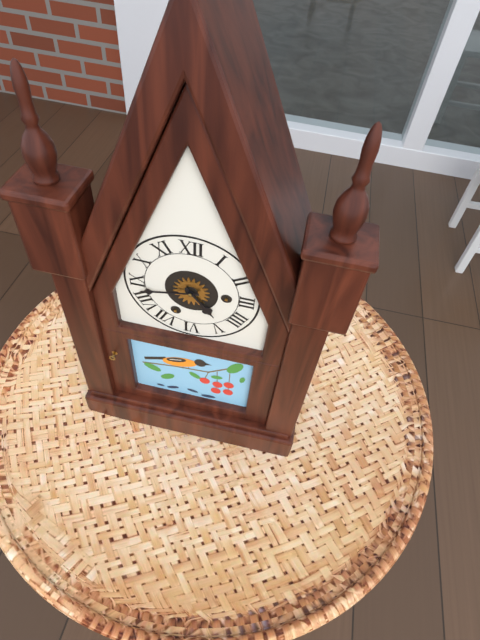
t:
4 h 43 min
